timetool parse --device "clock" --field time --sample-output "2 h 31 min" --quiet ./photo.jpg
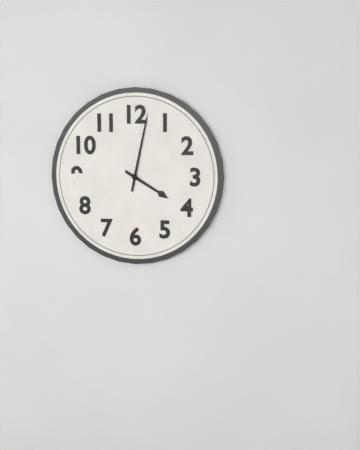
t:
4 h 02 min
